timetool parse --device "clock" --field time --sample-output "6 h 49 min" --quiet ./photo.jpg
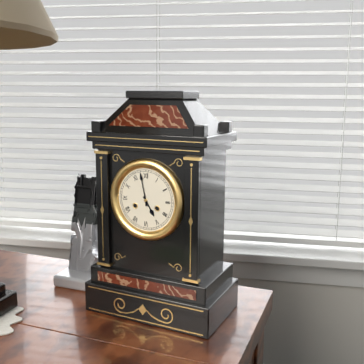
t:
4 h 58 min
